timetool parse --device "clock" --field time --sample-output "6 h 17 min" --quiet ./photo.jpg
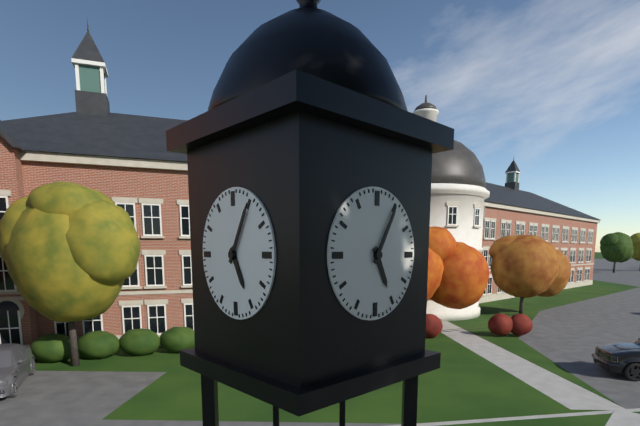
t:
5 h 05 min
